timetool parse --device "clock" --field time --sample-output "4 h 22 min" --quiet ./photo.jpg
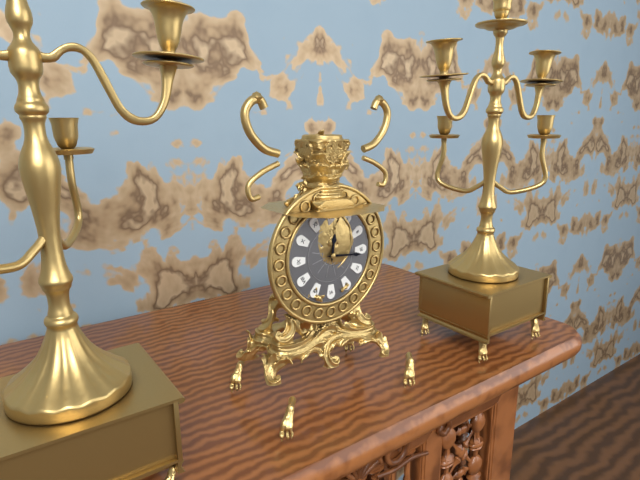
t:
12 h 16 min
